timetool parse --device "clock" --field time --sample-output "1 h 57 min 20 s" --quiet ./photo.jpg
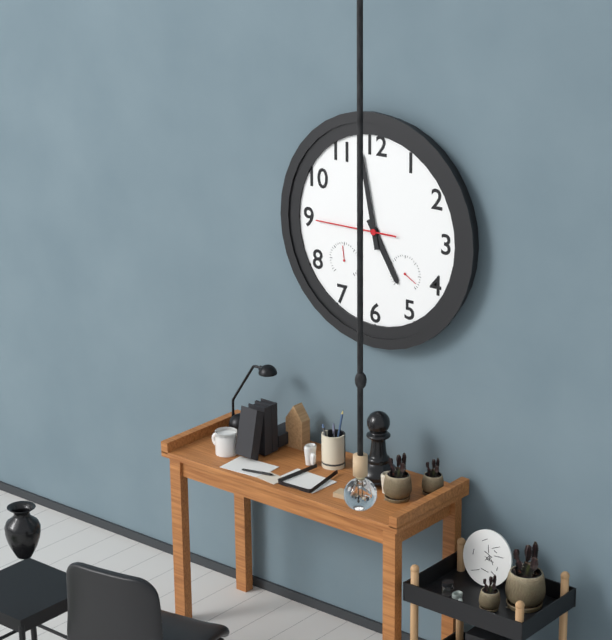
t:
4 h 58 min 45 s
